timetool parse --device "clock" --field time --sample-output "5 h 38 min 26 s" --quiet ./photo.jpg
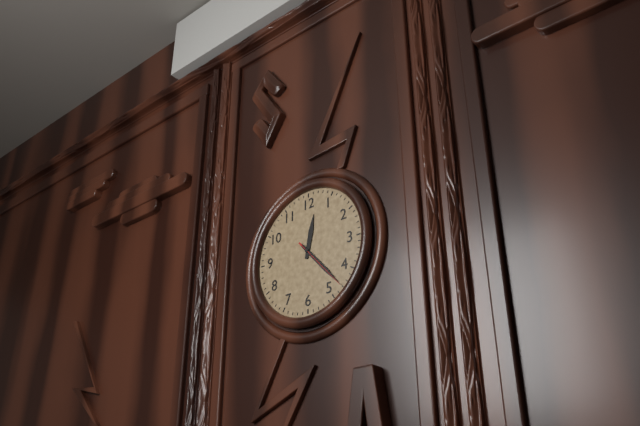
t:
12 h 23 min 23 s
